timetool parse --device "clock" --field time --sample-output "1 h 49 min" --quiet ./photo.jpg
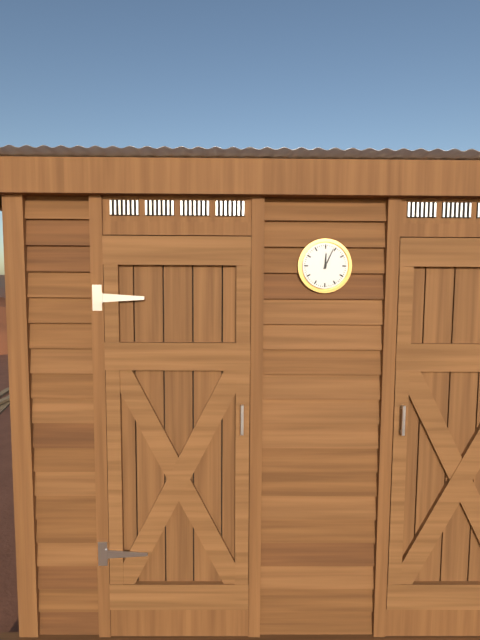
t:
12 h 04 min
